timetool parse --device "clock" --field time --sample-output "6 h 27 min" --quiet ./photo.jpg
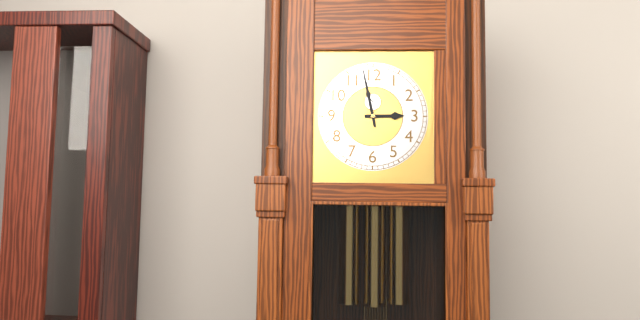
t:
2 h 58 min
